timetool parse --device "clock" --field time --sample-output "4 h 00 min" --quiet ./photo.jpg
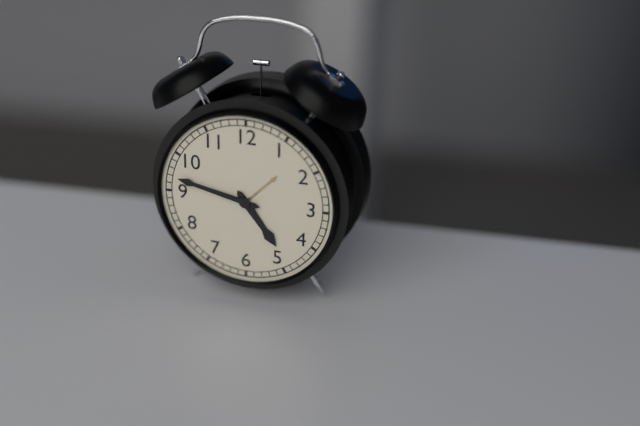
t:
4 h 47 min
